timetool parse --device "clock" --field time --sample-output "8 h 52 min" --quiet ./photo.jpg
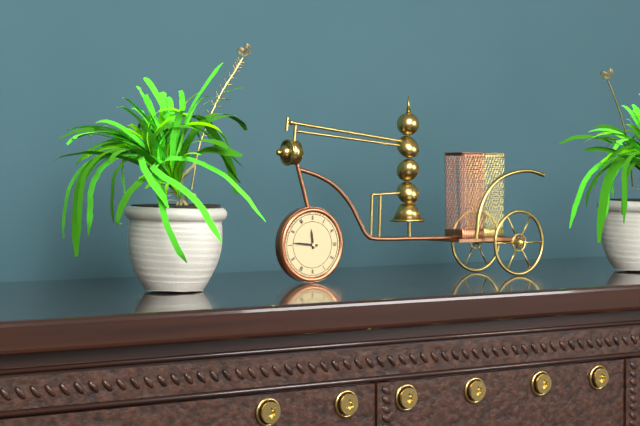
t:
11 h 46 min
